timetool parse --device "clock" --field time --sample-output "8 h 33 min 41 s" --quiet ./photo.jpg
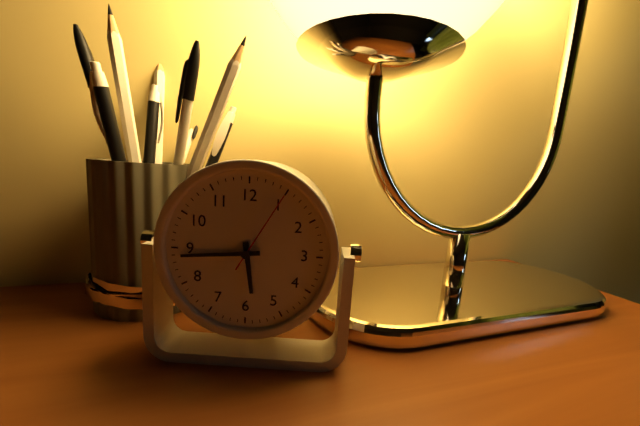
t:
5 h 44 min 05 s
